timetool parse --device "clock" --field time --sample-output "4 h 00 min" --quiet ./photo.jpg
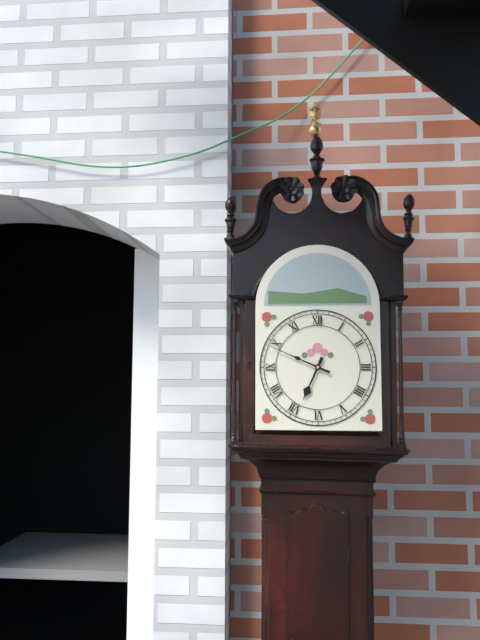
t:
6 h 49 min
